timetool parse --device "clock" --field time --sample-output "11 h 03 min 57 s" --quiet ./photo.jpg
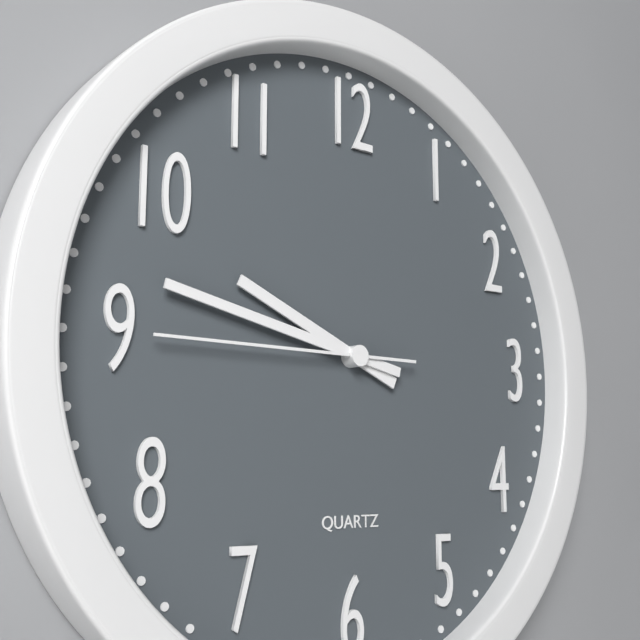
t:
9 h 47 min 45 s
